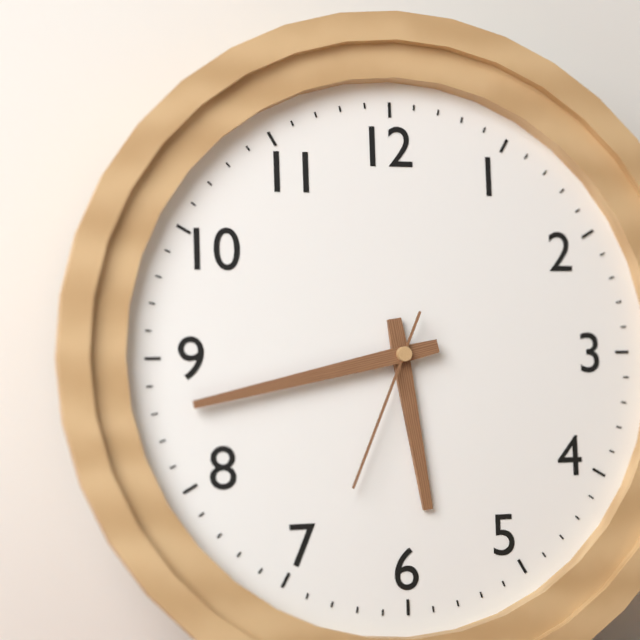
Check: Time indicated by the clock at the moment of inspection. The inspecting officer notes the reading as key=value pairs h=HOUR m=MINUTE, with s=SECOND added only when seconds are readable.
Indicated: h=5 m=43 s=34
